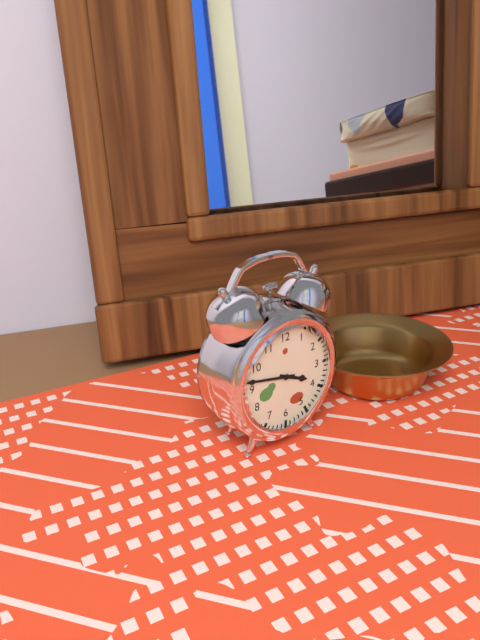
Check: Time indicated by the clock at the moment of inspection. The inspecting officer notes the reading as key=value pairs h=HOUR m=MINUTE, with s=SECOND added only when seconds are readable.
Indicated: h=3 m=47
